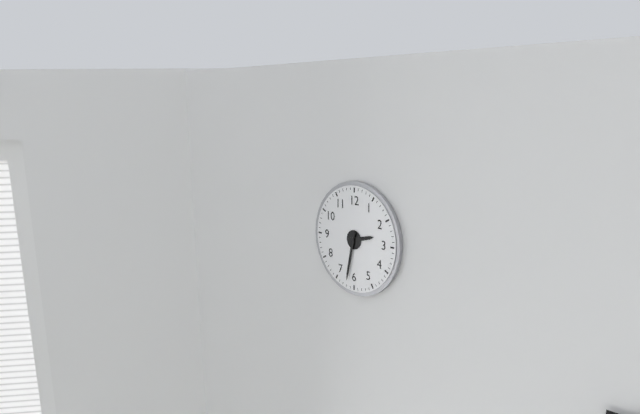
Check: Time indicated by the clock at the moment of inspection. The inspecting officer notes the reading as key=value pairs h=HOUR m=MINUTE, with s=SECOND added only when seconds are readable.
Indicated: h=2 m=32
